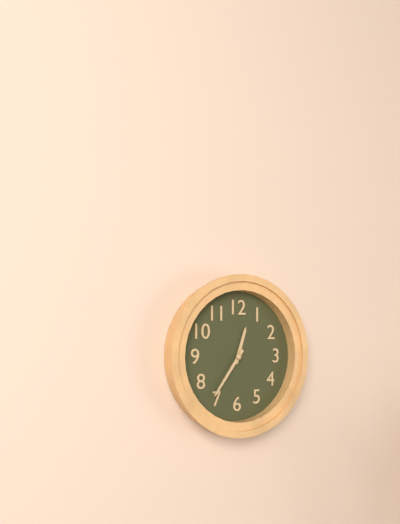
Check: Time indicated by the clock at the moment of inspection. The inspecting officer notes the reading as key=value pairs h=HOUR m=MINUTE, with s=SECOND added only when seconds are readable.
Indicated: h=12 m=36
